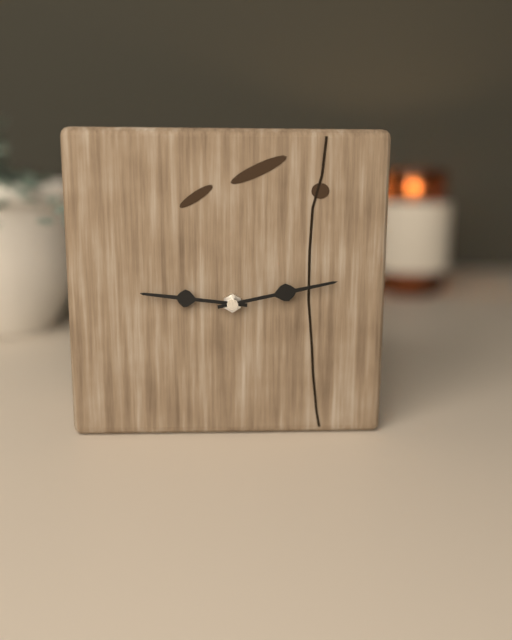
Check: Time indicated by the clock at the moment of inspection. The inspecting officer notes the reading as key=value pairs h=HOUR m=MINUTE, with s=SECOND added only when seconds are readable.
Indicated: h=9 m=13
